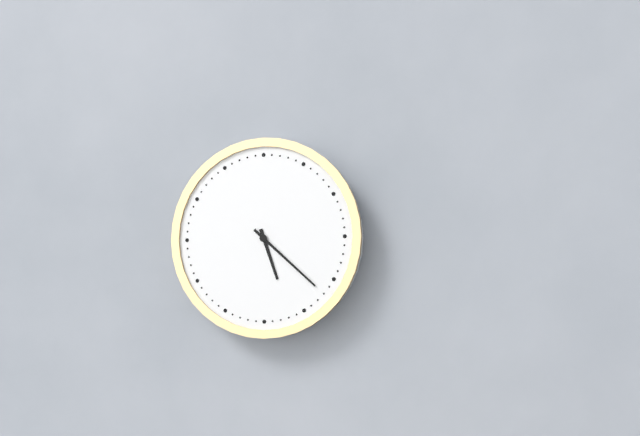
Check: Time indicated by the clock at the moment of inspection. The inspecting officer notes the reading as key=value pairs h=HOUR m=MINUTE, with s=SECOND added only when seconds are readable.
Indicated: h=5 m=22
